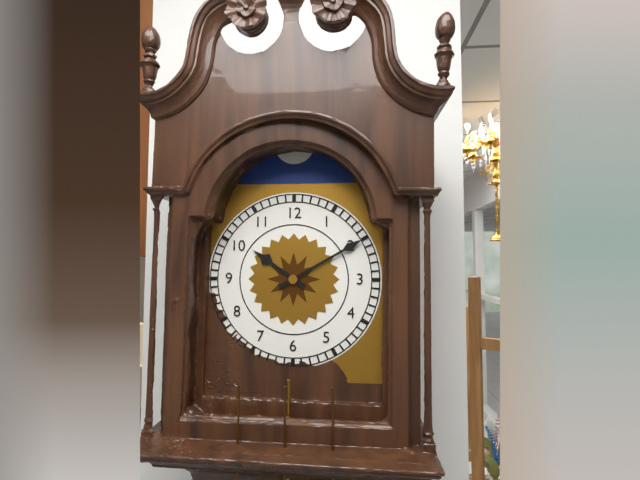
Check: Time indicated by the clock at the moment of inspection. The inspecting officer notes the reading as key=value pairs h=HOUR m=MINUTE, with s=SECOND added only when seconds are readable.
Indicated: h=10 m=10
